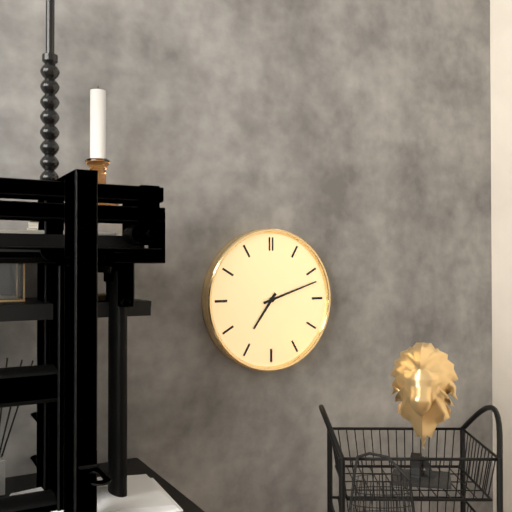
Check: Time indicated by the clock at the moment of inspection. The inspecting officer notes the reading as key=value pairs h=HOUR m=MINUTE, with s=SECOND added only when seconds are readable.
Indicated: h=7 m=12
